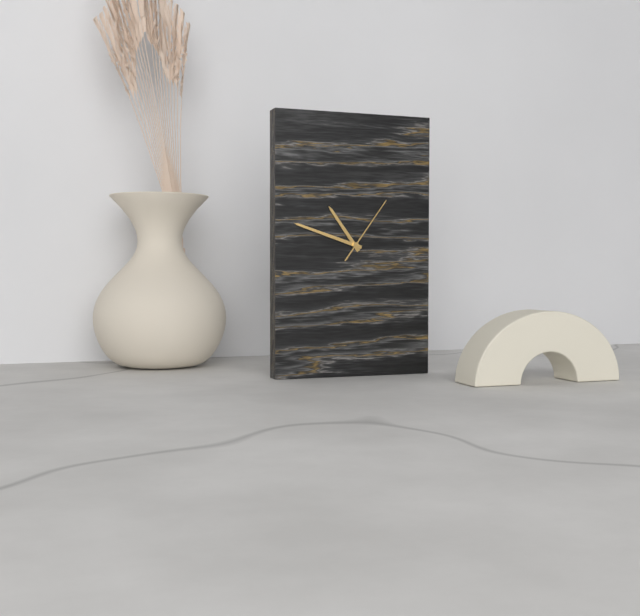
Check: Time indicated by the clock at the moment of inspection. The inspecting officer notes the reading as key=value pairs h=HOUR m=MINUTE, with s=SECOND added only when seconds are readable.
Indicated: h=10 m=48 s=6
